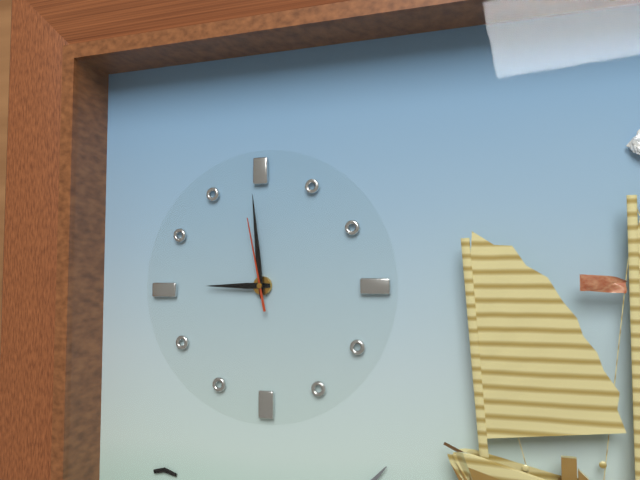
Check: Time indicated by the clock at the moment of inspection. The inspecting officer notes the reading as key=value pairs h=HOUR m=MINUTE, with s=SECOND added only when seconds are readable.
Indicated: h=8 m=59 s=58
